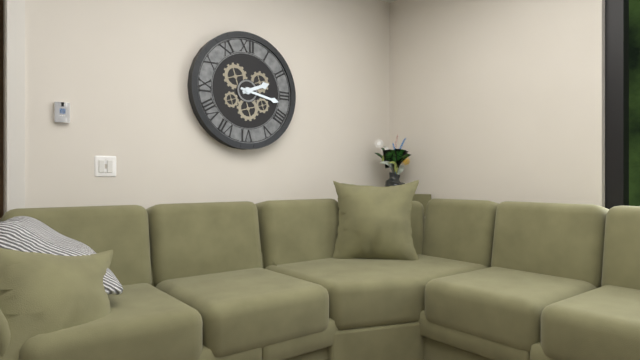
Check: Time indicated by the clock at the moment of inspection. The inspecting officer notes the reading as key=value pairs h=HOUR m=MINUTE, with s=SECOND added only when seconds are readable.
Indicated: h=2 m=17
